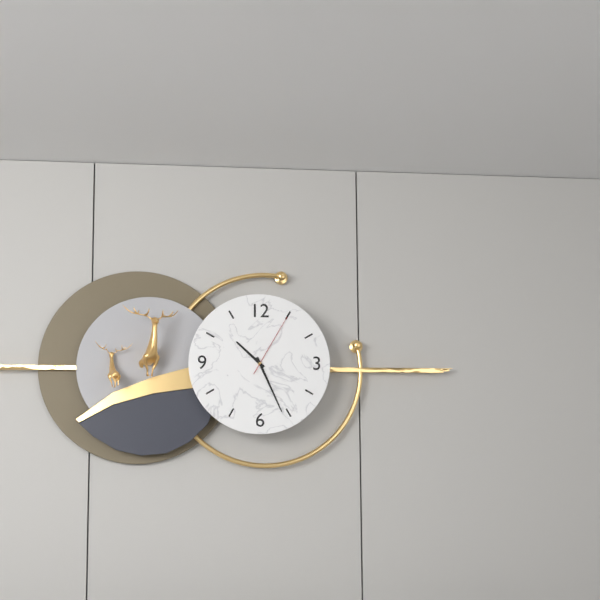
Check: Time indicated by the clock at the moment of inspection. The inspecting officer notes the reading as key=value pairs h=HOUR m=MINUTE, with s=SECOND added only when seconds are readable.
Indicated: h=10 m=26 s=5
